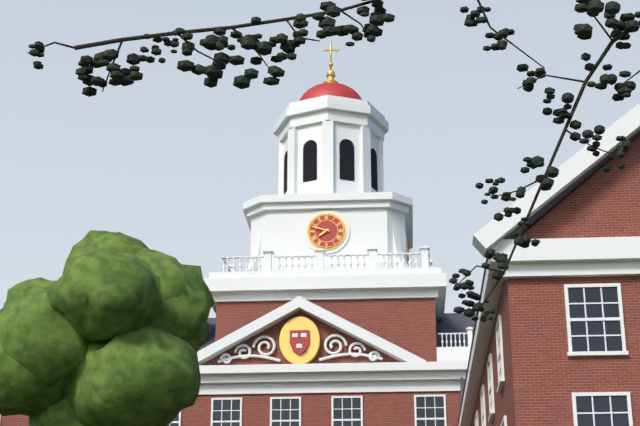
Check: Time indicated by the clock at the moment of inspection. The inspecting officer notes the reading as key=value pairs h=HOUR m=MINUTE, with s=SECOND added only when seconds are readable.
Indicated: h=7 m=48
